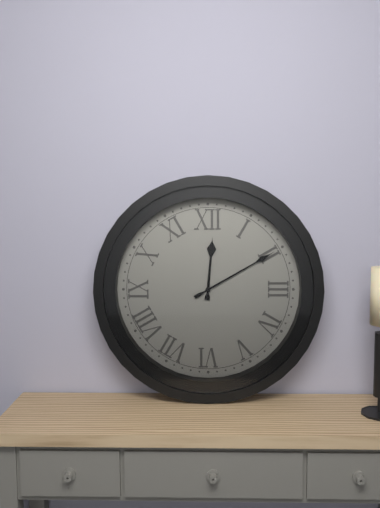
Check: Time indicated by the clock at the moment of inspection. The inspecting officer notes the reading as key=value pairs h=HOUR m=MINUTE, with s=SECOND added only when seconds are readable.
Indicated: h=12 m=10
